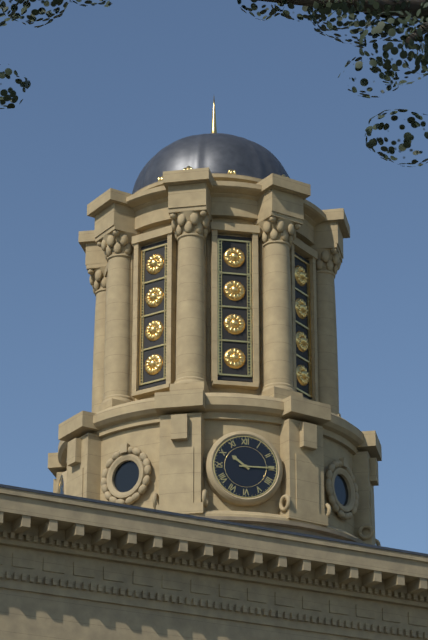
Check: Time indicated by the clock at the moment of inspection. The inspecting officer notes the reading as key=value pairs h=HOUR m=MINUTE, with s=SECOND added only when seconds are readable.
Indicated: h=10 m=15
